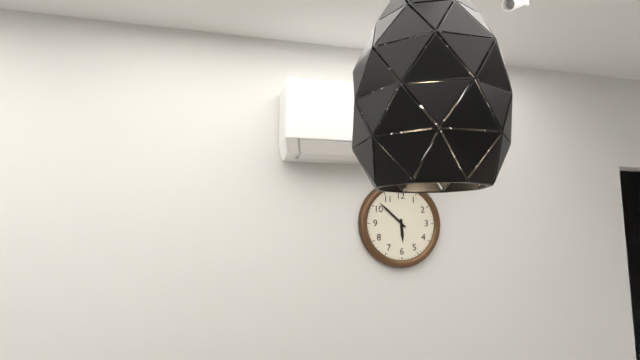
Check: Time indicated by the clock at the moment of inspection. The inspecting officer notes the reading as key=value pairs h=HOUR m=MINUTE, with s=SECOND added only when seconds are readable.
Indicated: h=5 m=52
